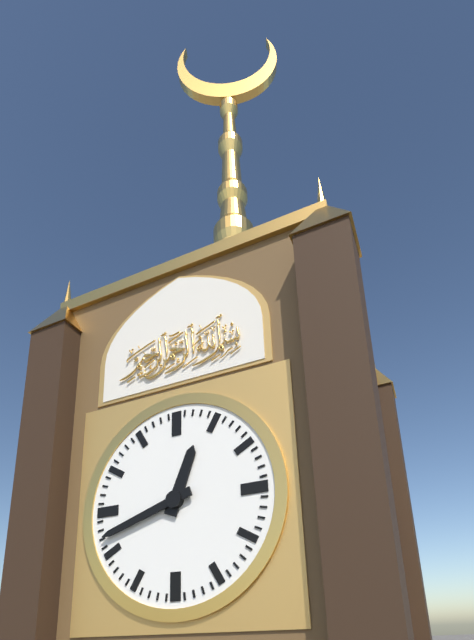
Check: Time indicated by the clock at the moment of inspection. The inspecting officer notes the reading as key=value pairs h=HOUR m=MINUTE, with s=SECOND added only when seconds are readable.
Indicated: h=12 m=42
